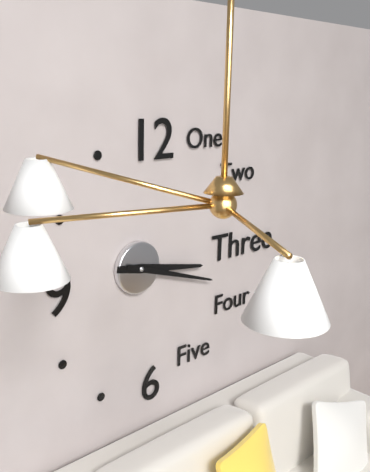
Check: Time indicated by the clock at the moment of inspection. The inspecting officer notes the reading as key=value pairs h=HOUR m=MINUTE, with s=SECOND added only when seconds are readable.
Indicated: h=3 m=18
